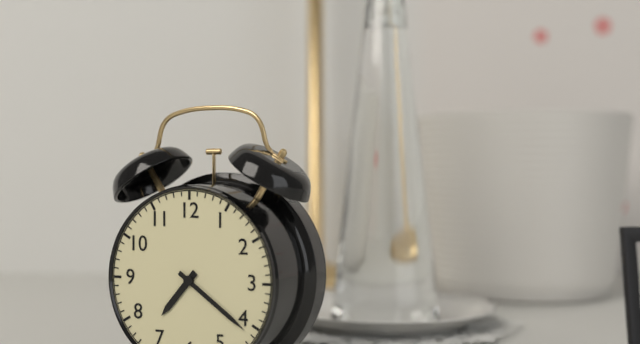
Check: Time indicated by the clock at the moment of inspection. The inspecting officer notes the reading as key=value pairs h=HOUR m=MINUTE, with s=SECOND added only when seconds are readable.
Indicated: h=7 m=21
